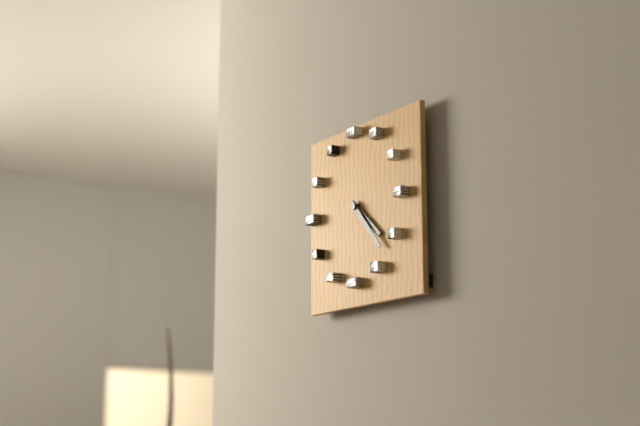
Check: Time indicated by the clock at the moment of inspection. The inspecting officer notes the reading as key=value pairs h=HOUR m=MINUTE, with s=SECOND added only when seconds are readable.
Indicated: h=4 m=23
